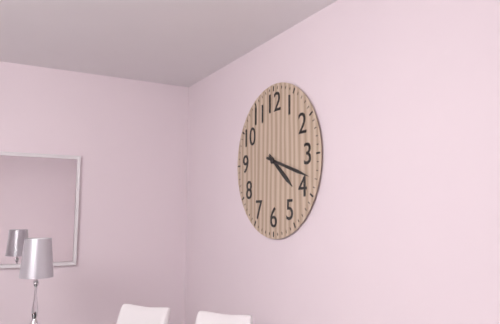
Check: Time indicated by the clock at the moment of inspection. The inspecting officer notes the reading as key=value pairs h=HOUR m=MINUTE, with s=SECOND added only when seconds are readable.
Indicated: h=4 m=18
